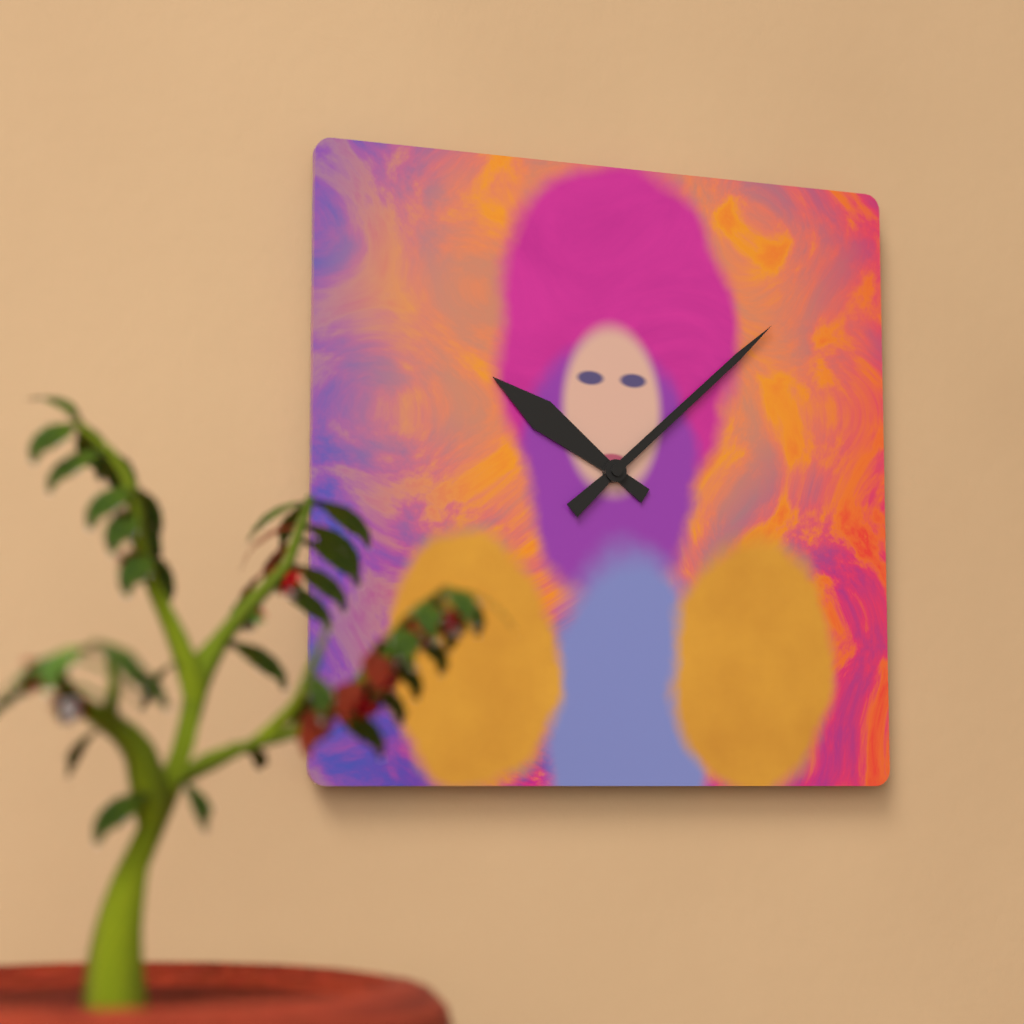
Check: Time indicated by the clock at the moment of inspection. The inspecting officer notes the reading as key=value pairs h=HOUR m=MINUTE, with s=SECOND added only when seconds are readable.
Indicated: h=10 m=8
